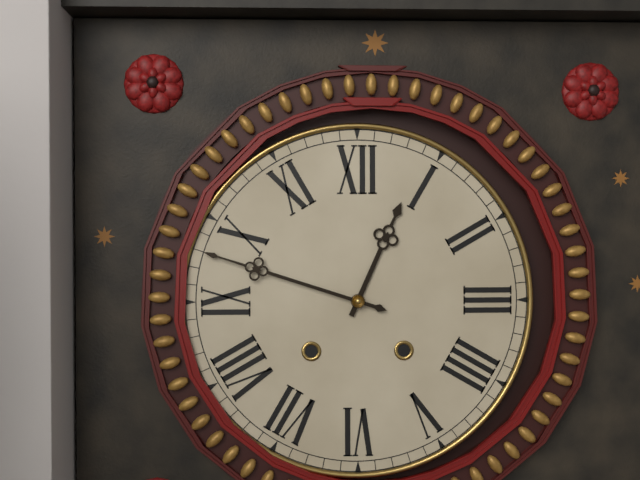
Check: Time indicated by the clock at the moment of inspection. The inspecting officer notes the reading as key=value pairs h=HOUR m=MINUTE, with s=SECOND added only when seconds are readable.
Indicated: h=12 m=48
